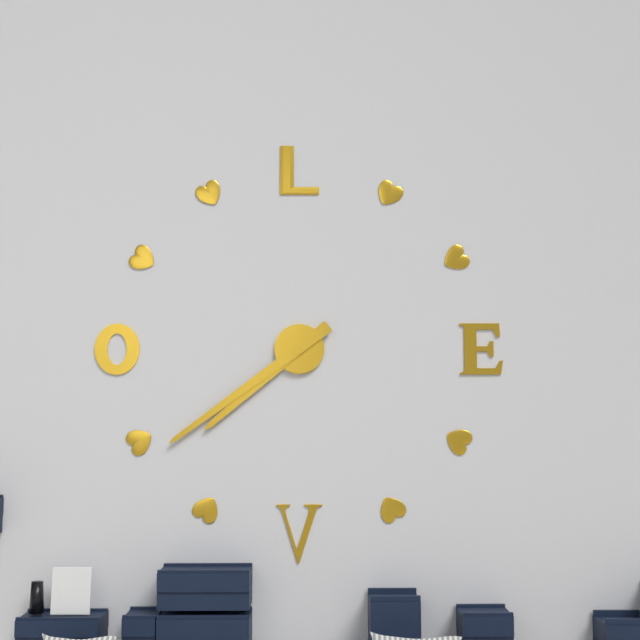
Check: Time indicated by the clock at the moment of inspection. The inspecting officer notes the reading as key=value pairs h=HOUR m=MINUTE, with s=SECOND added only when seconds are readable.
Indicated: h=7 m=39
